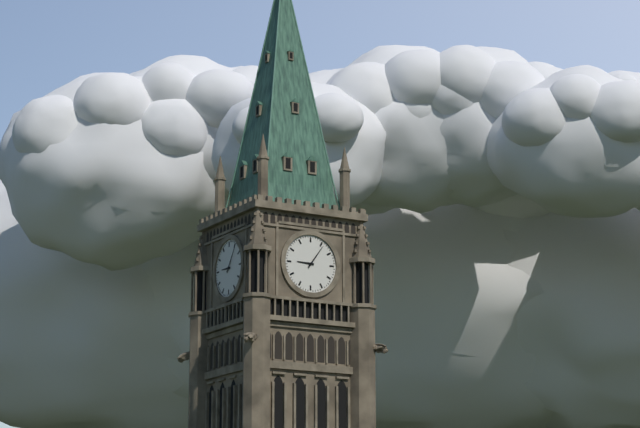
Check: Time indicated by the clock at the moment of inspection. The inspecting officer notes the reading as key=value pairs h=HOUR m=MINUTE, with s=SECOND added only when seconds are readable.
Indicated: h=9 m=6
